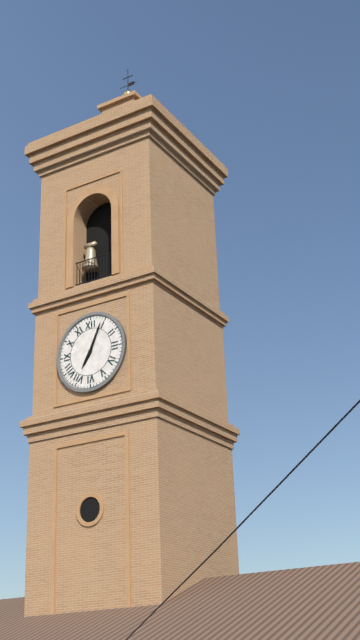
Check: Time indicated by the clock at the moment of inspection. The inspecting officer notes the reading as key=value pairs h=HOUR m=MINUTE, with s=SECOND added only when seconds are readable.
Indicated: h=7 m=4
